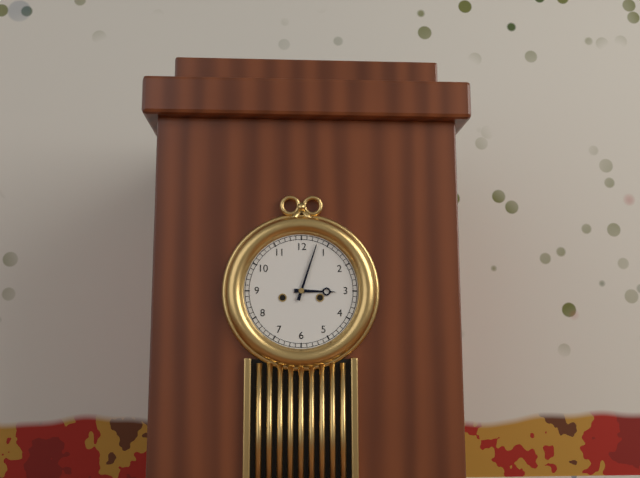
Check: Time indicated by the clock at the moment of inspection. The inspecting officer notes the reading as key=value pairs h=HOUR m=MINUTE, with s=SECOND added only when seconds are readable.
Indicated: h=3 m=3
